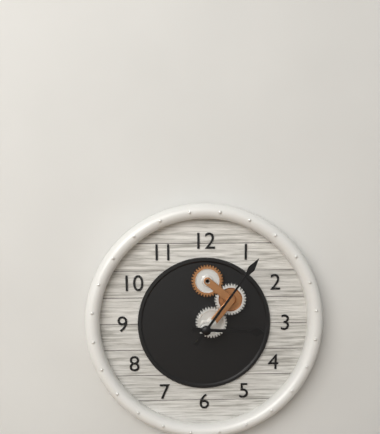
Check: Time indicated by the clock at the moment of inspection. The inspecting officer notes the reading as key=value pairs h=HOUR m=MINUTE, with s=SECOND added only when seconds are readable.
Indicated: h=3 m=6
